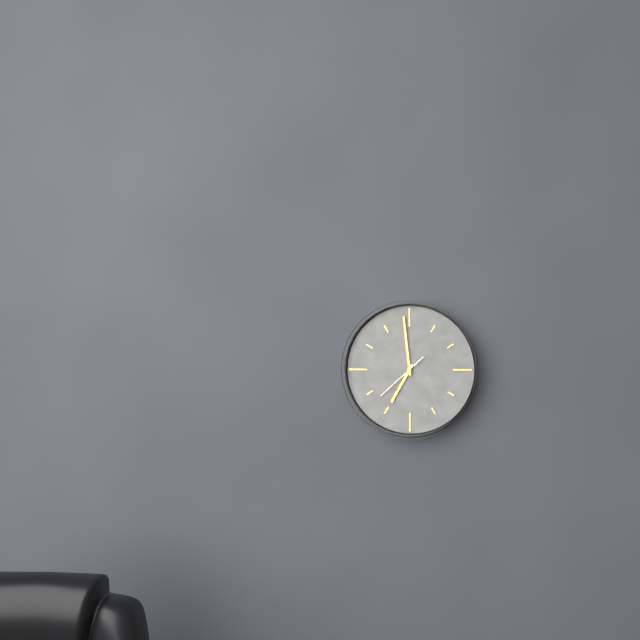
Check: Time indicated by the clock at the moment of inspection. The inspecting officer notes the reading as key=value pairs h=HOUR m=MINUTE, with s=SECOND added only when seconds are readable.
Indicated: h=6 m=59
